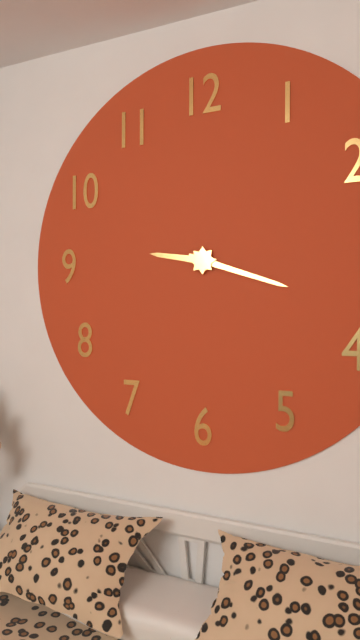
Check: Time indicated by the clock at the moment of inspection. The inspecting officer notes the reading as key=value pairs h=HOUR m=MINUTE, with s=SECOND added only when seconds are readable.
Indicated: h=9 m=18
